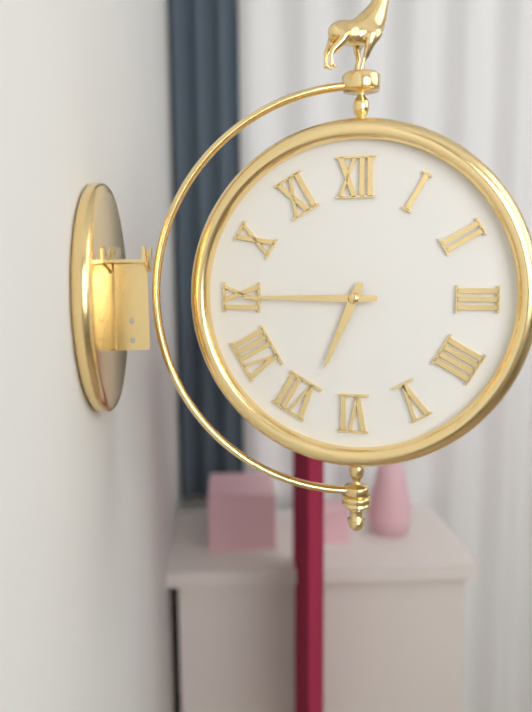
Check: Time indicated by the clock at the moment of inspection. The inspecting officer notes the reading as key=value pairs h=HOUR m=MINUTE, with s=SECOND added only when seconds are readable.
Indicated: h=6 m=45
